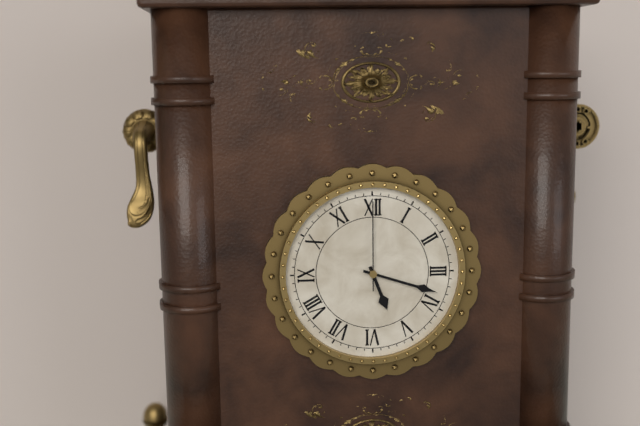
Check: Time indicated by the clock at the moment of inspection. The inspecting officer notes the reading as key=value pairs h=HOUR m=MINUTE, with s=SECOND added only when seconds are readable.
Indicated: h=5 m=18 s=0
